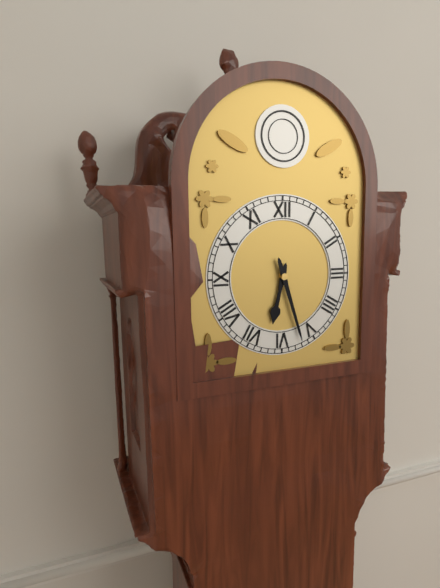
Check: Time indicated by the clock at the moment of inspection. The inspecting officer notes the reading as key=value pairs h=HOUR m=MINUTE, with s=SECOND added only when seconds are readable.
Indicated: h=6 m=27
